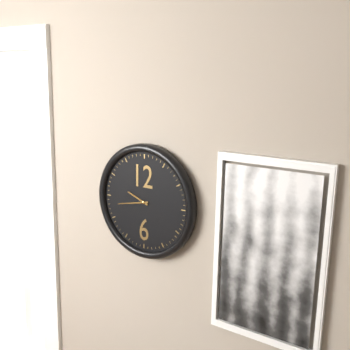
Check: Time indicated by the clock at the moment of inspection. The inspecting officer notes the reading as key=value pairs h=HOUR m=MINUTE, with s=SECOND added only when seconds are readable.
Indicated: h=9 m=43
